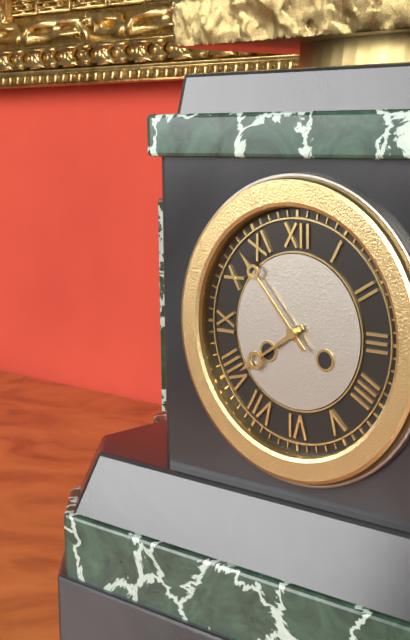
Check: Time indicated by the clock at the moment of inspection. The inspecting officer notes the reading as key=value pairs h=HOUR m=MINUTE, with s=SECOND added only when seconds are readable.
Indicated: h=7 m=53
